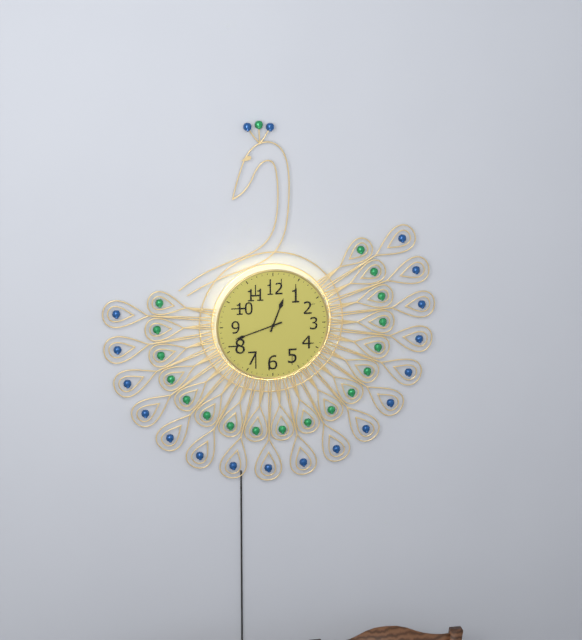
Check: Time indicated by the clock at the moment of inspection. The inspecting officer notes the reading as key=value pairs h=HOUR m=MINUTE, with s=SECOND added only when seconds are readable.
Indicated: h=12 m=42
